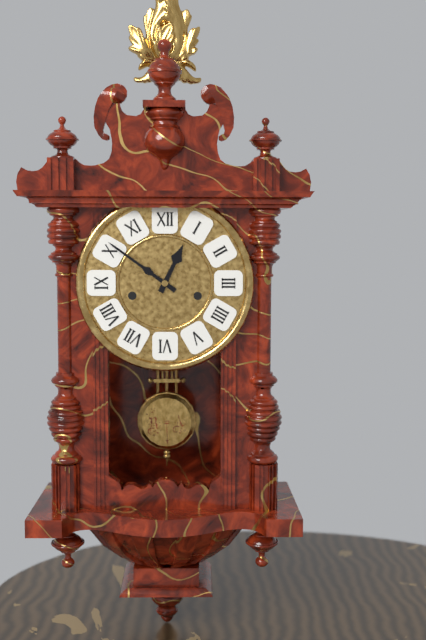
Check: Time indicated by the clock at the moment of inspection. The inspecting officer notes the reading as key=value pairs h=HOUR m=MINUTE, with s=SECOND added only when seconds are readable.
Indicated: h=12 m=51
